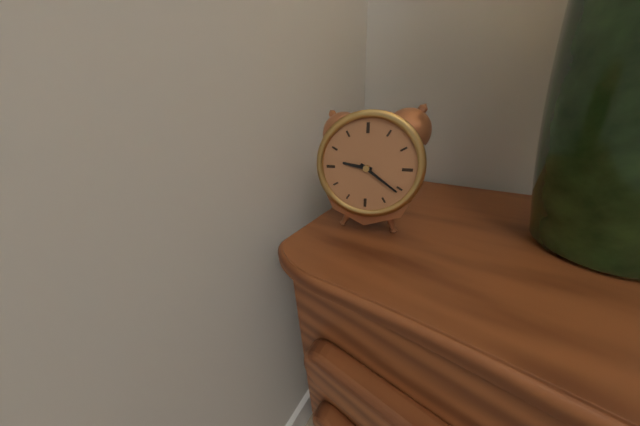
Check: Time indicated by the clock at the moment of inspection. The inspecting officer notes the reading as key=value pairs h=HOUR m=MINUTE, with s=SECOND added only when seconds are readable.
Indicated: h=9 m=21
